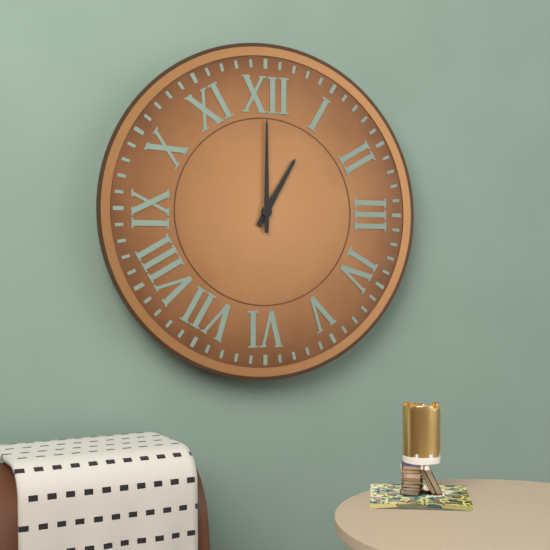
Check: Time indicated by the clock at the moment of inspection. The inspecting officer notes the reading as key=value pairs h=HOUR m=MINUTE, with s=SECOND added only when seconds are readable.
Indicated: h=1 m=0
